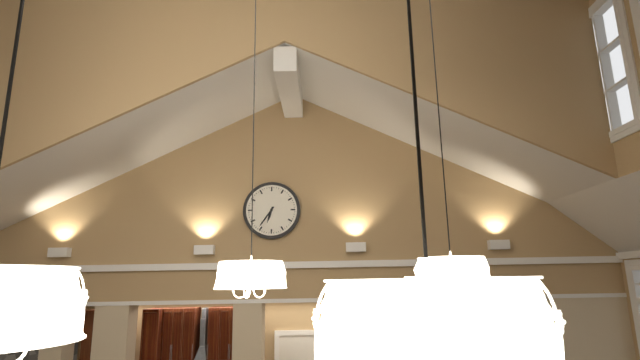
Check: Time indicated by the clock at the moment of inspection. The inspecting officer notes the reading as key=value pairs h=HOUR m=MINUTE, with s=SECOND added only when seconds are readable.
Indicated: h=6 m=36
